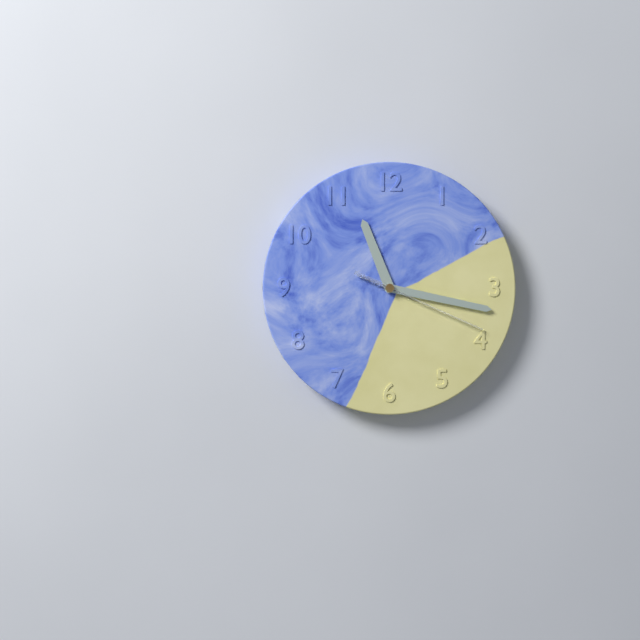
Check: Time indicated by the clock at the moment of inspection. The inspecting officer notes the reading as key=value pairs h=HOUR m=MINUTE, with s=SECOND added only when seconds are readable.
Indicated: h=11 m=17 s=19
